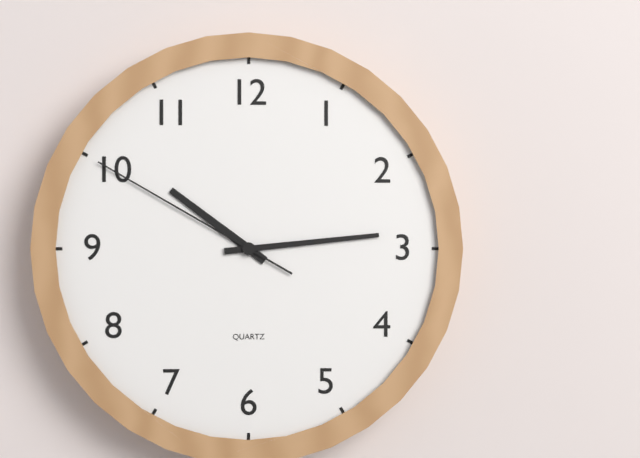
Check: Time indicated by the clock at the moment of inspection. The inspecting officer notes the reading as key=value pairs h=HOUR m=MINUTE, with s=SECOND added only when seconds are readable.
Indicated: h=10 m=14 s=50
